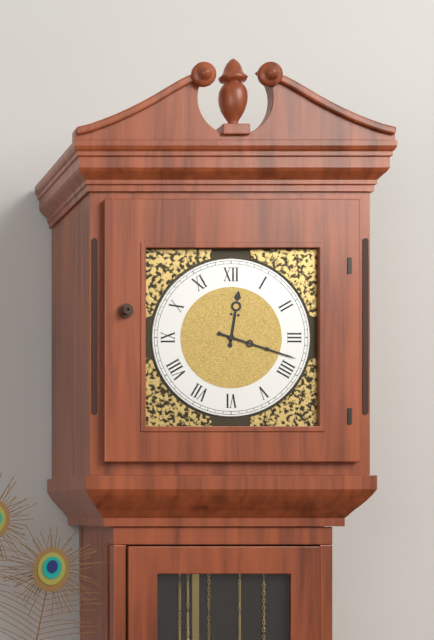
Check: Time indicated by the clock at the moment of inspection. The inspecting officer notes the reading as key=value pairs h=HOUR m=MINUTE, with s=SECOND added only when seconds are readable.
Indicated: h=12 m=18
